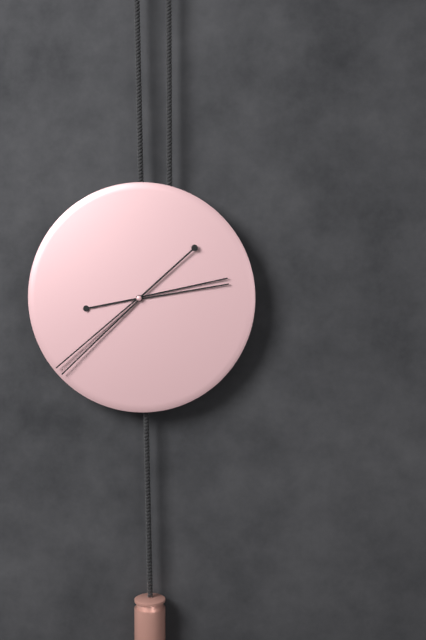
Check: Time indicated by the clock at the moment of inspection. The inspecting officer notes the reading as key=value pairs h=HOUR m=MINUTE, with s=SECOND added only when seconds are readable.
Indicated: h=2 m=38
